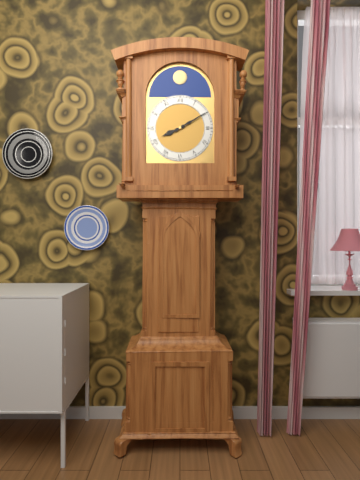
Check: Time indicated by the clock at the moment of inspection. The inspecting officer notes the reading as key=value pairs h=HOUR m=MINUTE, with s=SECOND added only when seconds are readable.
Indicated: h=8 m=10
